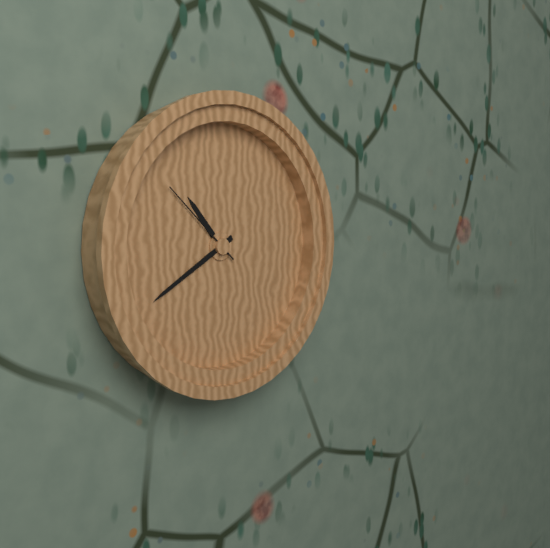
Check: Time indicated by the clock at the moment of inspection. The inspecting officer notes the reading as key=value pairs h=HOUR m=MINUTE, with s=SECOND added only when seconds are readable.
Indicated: h=10 m=40 s=52
